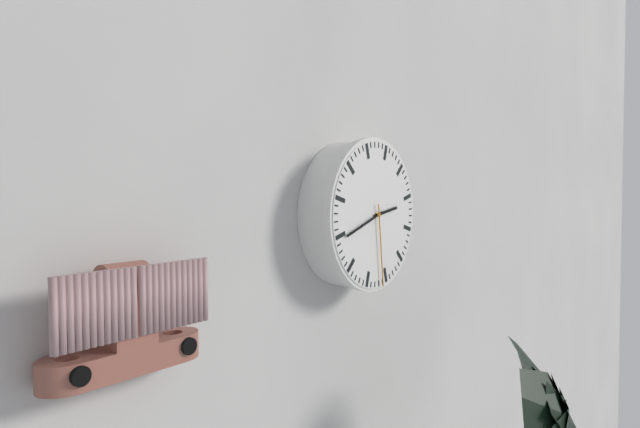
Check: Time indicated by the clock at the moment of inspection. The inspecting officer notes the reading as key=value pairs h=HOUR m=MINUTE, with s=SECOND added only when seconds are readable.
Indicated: h=2 m=42 s=29
